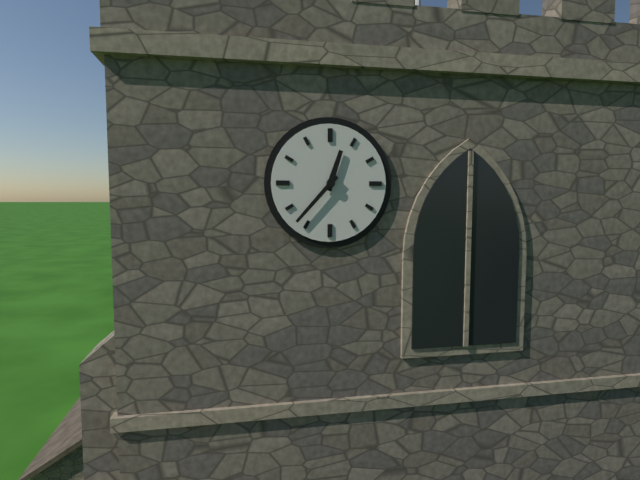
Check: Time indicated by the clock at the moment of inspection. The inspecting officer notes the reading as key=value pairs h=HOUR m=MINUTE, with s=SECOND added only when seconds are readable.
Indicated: h=12 m=37
